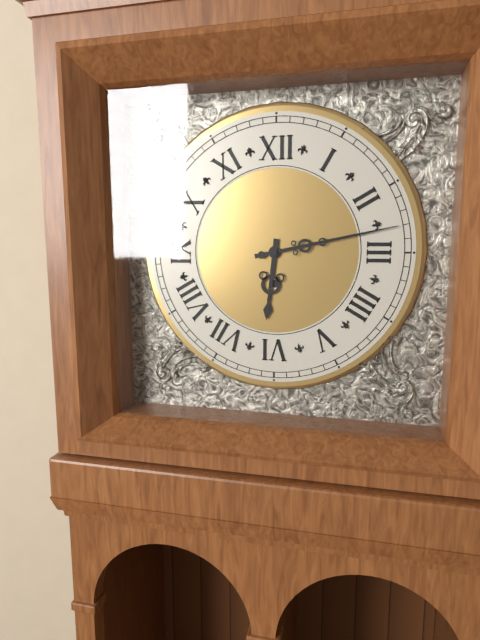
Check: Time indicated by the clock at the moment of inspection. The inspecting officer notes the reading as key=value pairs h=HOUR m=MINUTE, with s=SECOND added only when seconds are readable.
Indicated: h=6 m=13
